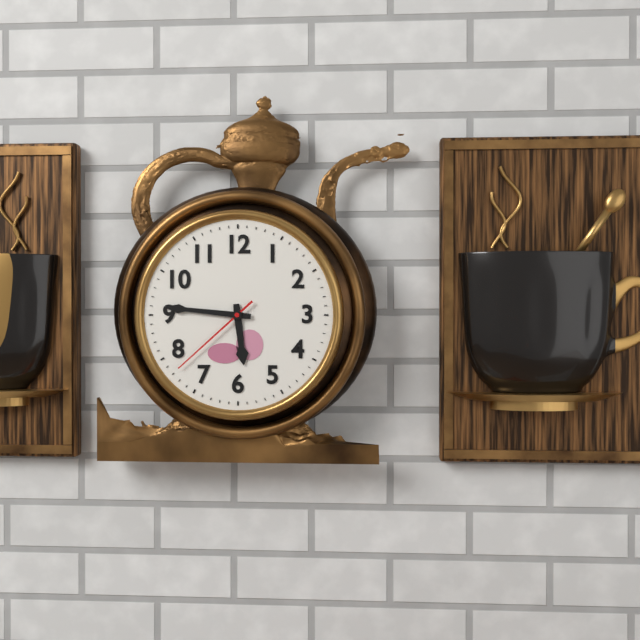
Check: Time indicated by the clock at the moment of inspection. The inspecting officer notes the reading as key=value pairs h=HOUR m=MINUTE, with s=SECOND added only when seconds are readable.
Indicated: h=5 m=46 s=38
